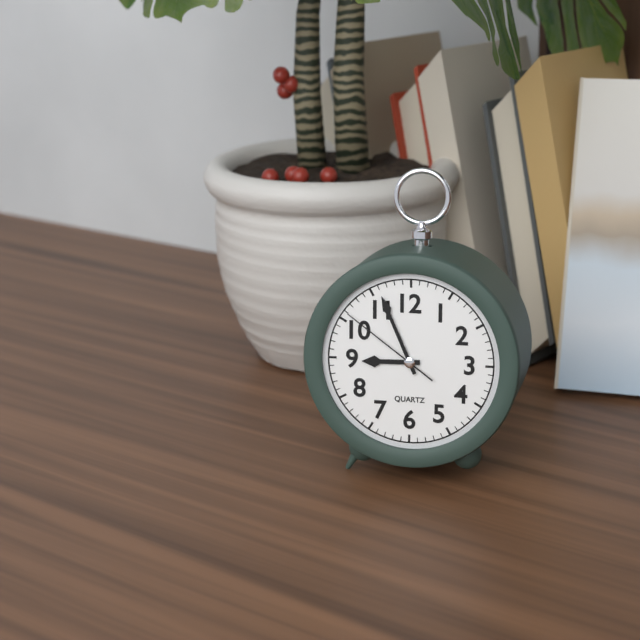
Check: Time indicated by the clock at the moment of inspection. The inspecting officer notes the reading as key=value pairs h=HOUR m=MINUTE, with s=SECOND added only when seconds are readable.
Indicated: h=8 m=56 s=51
